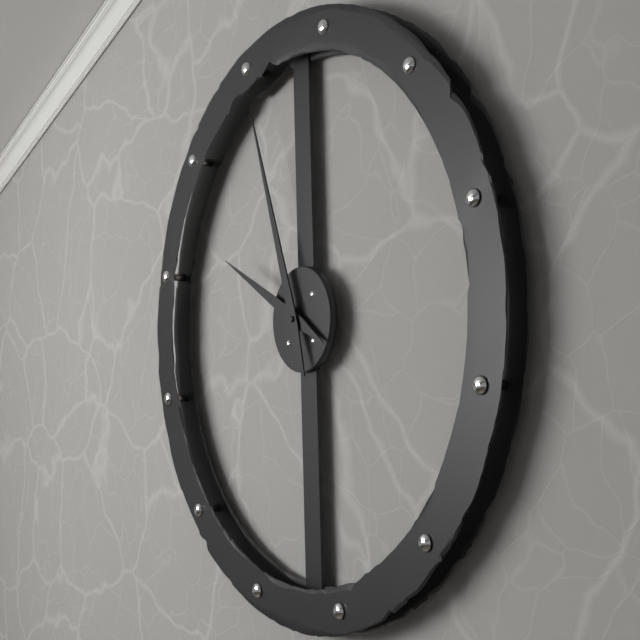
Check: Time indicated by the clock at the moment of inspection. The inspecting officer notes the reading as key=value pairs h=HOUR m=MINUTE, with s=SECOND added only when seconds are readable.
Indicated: h=9 m=57
